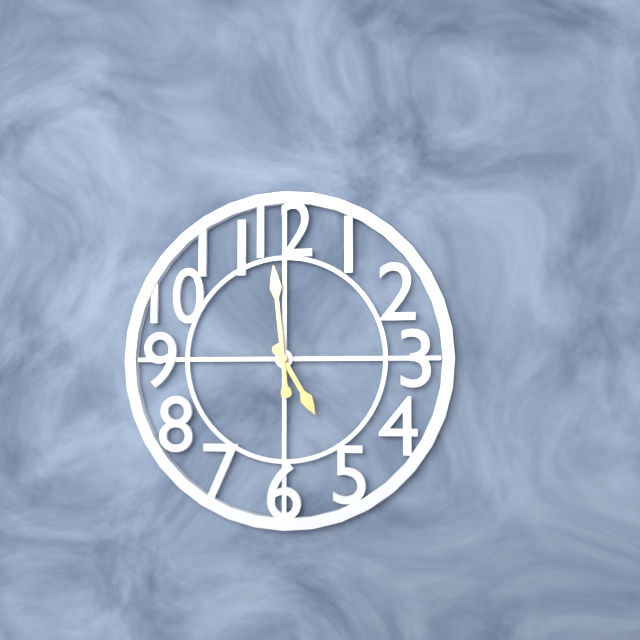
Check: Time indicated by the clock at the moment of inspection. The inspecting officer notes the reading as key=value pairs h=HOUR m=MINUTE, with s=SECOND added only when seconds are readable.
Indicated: h=4 m=59
